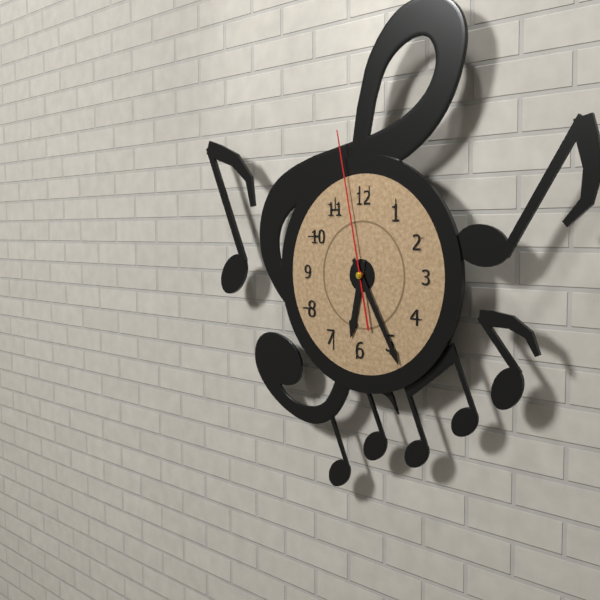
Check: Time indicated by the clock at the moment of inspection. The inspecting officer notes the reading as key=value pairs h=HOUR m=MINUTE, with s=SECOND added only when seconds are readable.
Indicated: h=6 m=25 s=58
